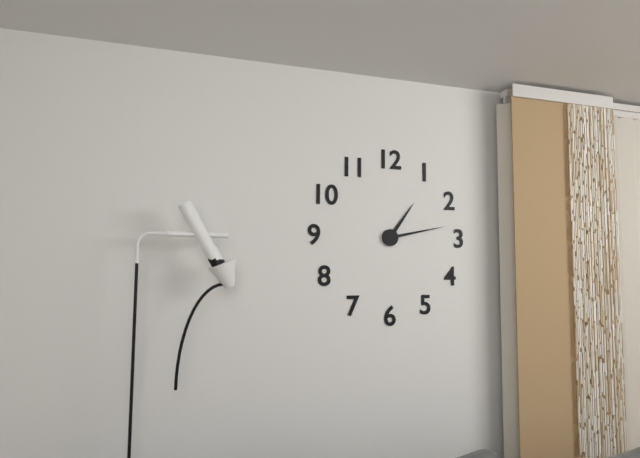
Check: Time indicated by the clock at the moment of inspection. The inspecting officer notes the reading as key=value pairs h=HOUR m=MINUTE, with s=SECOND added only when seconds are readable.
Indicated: h=1 m=13
